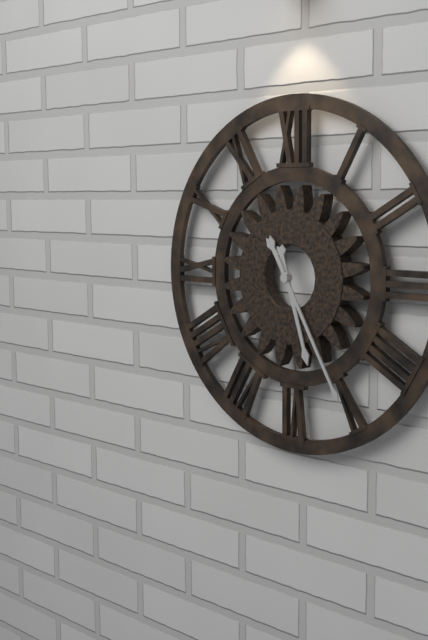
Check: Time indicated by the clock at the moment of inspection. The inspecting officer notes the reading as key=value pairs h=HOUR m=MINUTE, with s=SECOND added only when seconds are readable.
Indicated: h=5 m=25
